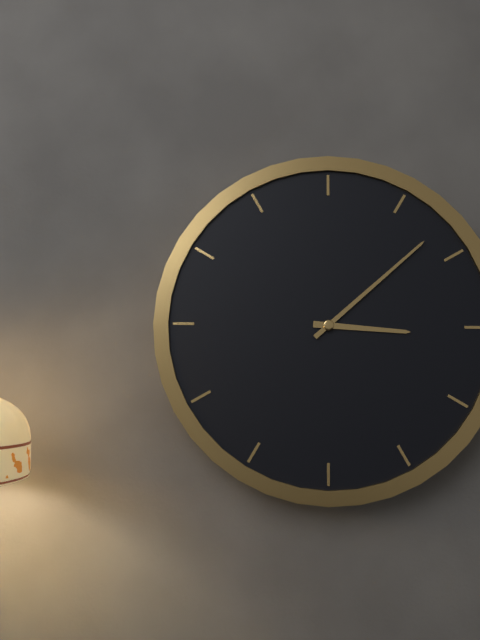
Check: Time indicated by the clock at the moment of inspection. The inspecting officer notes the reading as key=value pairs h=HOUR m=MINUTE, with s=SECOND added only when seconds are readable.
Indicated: h=3 m=8
